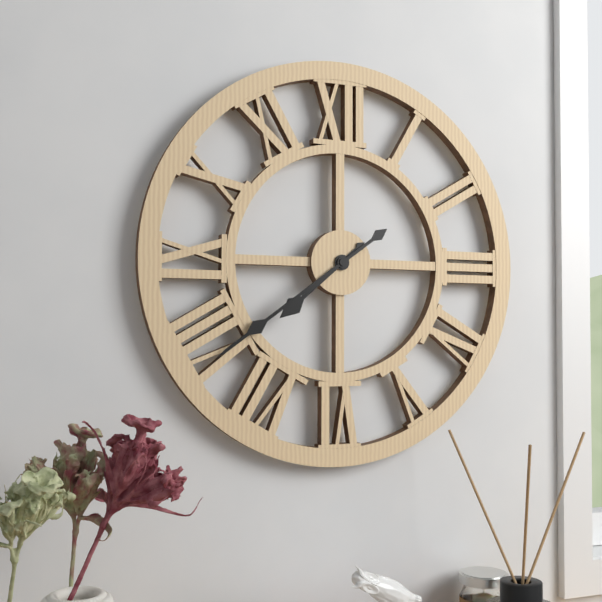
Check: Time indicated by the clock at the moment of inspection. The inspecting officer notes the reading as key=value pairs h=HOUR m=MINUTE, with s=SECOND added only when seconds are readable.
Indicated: h=7 m=39
